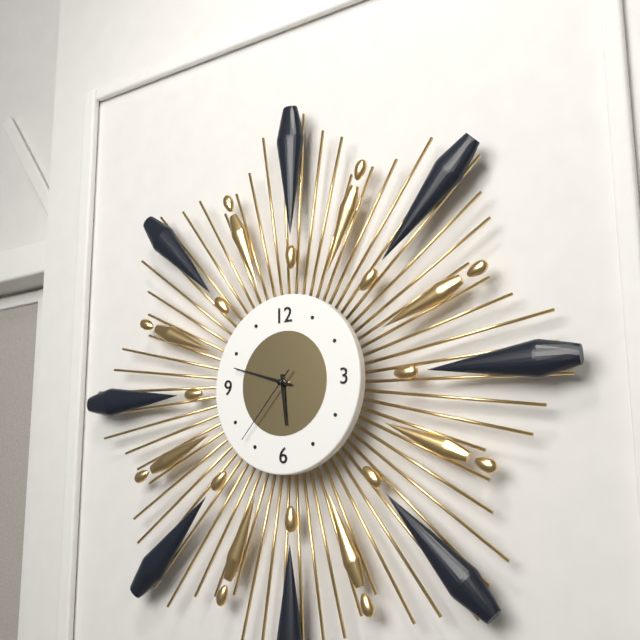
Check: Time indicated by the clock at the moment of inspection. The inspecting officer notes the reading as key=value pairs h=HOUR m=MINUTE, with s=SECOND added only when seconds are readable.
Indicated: h=5 m=48 s=37
